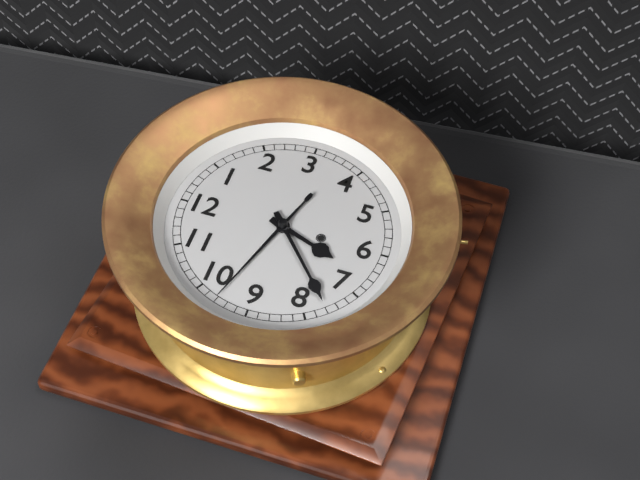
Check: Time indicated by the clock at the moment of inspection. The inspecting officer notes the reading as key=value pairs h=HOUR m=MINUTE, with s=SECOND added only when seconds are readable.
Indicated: h=6 m=38 s=48
